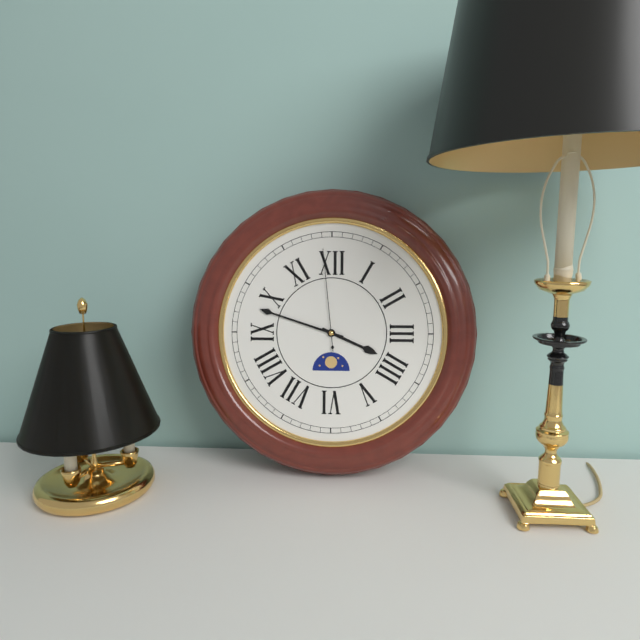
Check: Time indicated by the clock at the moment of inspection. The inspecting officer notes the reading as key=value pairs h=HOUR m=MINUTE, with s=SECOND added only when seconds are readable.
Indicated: h=3 m=48 s=59
